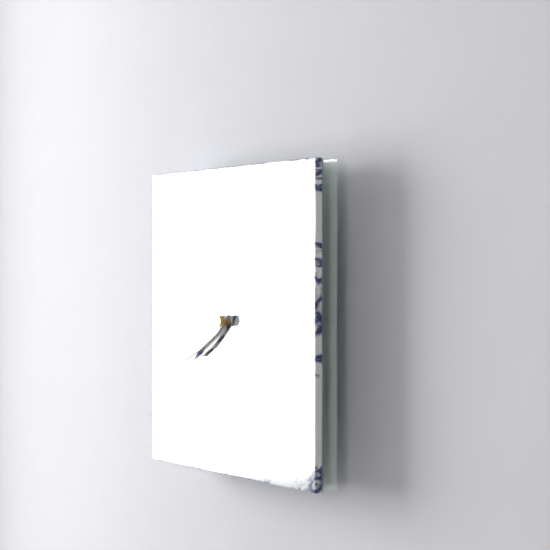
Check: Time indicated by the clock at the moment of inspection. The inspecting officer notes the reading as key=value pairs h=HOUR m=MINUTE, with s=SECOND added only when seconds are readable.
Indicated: h=7 m=40
